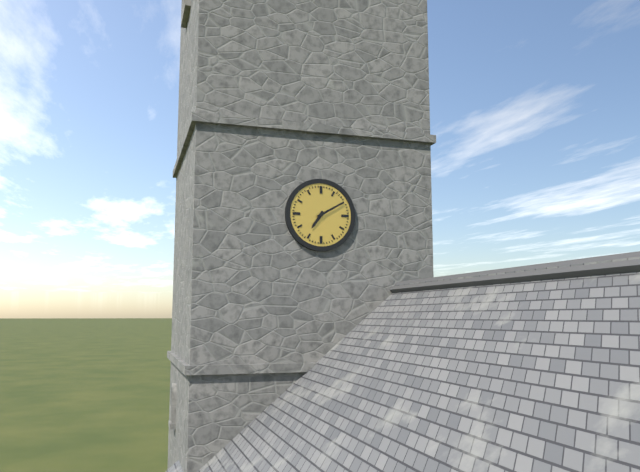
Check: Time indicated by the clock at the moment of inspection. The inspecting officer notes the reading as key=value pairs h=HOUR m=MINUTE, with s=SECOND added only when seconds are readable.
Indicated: h=7 m=10
